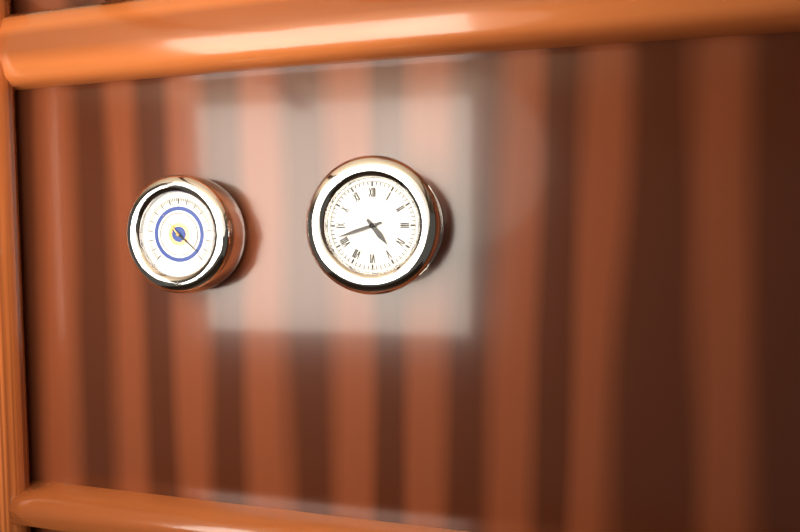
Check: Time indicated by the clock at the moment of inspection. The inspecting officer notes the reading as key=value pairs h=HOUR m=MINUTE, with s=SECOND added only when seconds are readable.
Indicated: h=4 m=42
